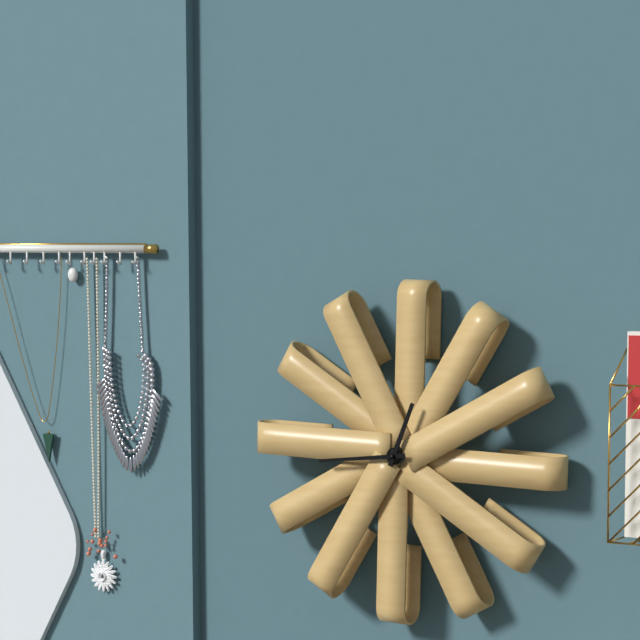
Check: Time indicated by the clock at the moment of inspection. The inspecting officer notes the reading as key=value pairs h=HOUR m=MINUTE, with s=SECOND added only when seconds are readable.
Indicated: h=12 m=44
